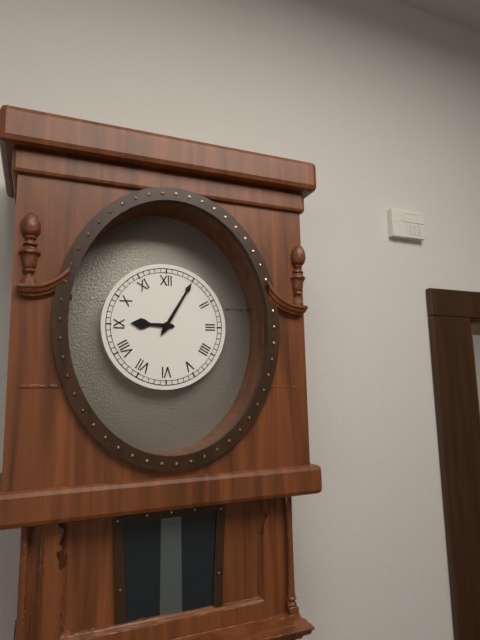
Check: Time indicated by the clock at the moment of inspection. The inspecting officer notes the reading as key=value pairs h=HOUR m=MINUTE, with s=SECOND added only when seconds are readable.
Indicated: h=9 m=5
